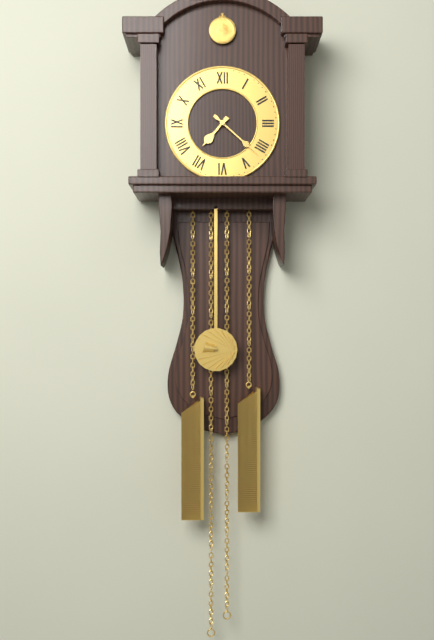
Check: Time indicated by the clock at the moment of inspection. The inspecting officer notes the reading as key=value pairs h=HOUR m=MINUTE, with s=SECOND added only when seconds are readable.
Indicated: h=7 m=22
